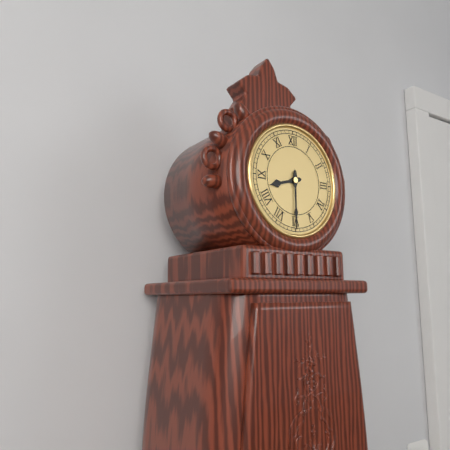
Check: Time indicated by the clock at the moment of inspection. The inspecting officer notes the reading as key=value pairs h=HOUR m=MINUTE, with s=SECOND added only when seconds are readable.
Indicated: h=8 m=30
